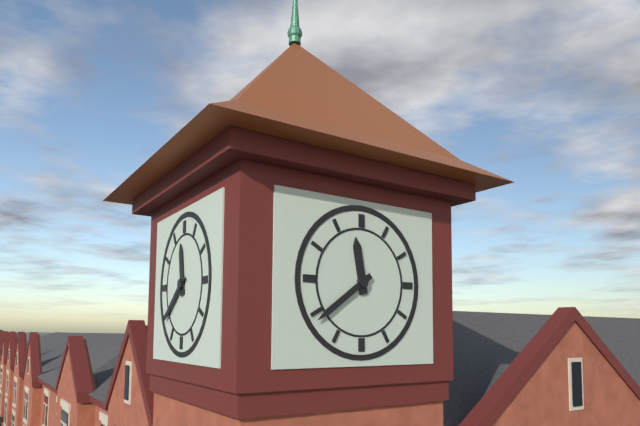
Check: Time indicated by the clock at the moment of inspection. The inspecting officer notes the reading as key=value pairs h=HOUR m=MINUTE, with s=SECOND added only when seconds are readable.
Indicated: h=11 m=39
